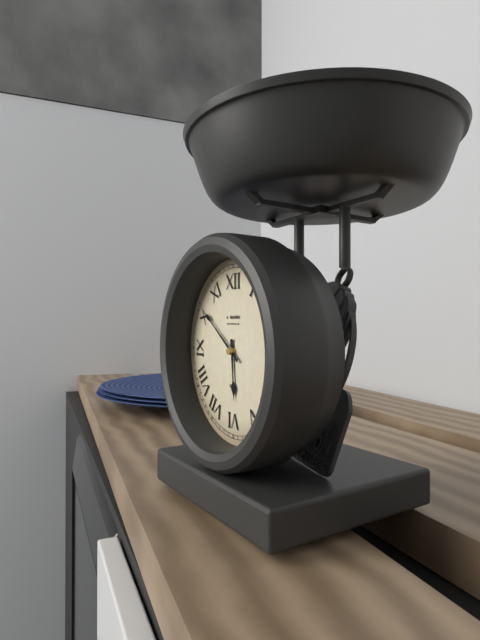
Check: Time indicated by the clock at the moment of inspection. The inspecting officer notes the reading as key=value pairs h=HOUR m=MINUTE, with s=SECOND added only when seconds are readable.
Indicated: h=5 m=51
